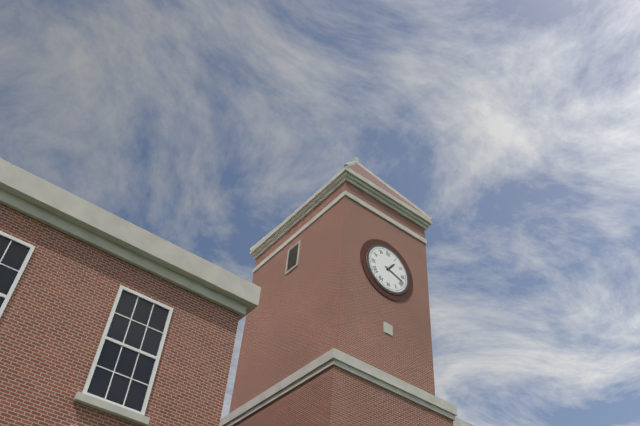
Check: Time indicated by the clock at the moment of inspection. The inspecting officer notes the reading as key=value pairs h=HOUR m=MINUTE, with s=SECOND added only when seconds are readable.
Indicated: h=1 m=18
